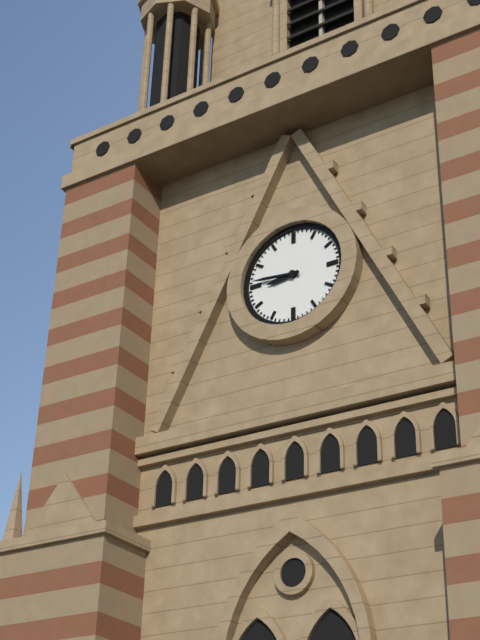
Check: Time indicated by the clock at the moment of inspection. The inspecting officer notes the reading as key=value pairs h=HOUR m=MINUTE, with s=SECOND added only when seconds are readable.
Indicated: h=8 m=46
